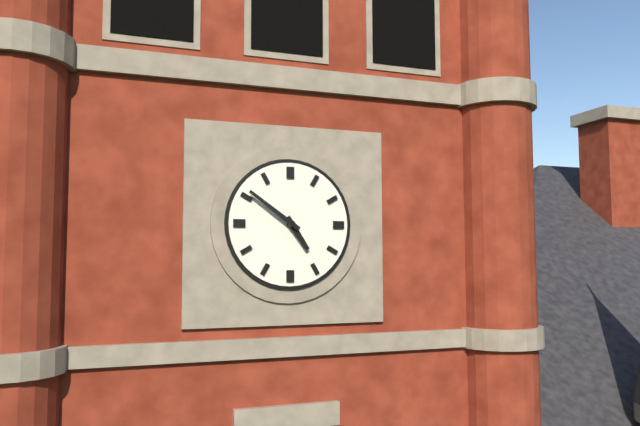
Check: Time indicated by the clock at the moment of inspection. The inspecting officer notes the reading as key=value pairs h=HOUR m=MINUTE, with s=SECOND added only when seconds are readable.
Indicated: h=4 m=51
